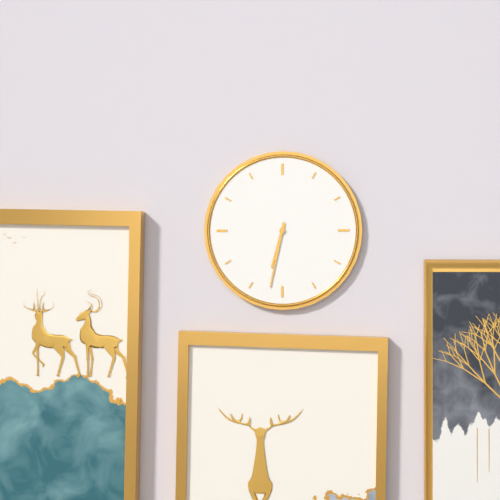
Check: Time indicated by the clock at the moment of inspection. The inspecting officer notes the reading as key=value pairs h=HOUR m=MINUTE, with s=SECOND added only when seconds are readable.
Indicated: h=6 m=32
